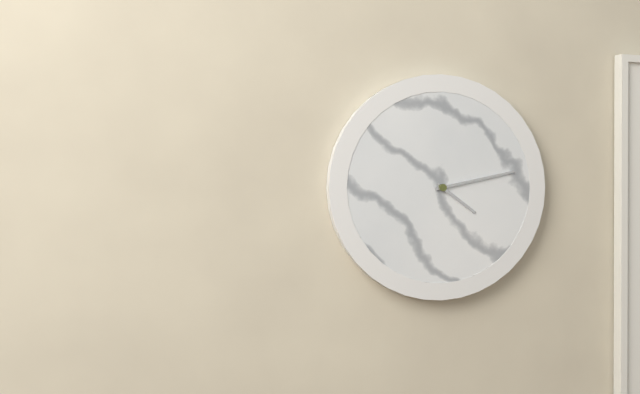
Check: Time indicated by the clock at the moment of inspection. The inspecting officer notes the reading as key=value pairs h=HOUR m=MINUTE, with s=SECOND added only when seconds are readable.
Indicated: h=4 m=13
